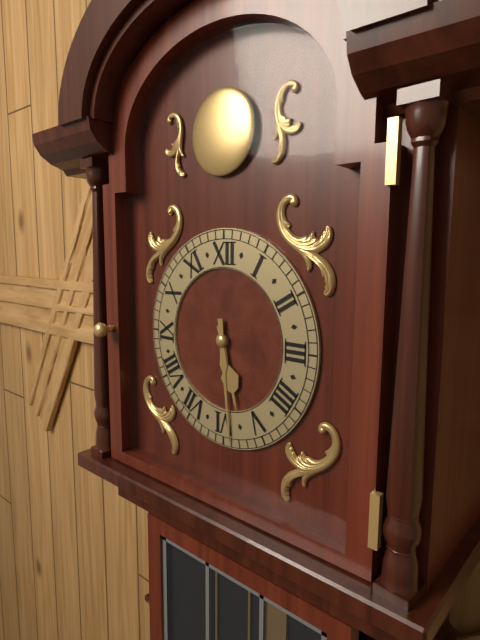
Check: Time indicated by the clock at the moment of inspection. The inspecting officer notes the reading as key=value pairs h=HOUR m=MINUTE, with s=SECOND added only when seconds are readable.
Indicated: h=5 m=29
